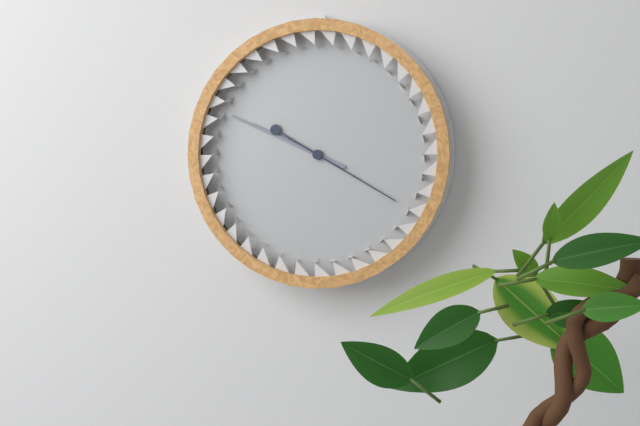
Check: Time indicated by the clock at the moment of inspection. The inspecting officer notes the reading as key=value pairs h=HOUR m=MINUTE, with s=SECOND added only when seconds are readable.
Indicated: h=9 m=49 s=20
